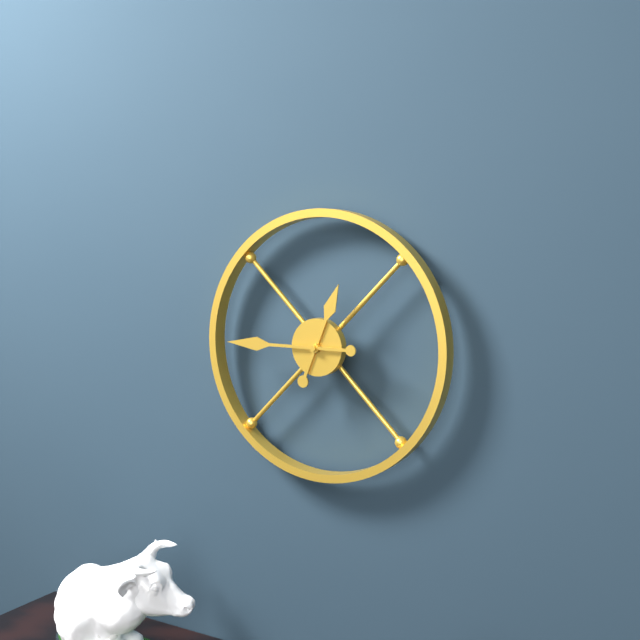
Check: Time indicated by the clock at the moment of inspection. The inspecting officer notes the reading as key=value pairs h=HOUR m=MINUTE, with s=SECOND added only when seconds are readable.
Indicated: h=12 m=45
